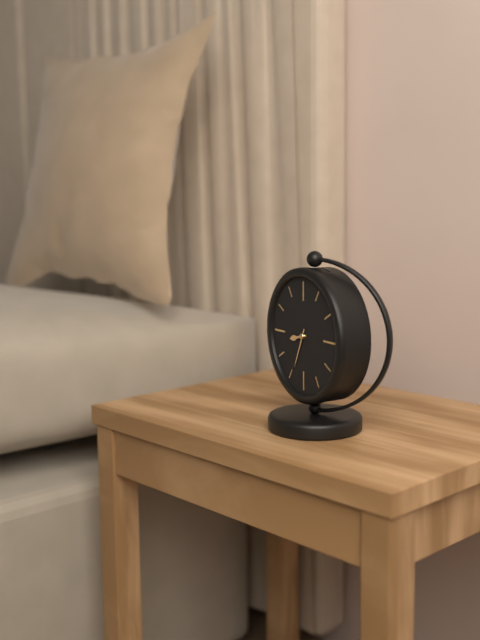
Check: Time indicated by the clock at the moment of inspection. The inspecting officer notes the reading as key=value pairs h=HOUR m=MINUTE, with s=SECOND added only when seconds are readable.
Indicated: h=8 m=34
